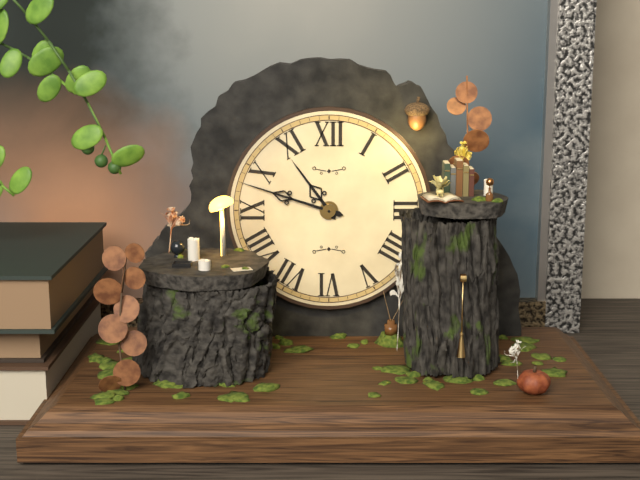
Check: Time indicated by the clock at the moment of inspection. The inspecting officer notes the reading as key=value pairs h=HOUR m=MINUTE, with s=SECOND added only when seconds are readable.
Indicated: h=10 m=48
